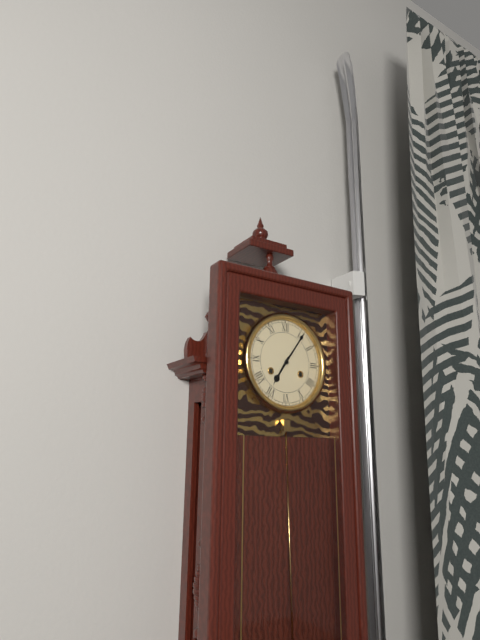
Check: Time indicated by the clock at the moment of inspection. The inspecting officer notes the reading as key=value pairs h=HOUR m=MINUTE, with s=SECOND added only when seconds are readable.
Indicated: h=7 m=6
